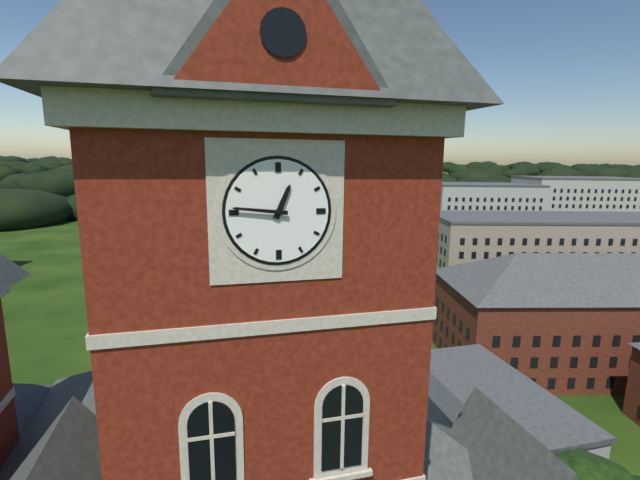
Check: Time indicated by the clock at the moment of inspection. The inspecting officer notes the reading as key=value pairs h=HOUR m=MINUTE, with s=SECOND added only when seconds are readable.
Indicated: h=12 m=46
